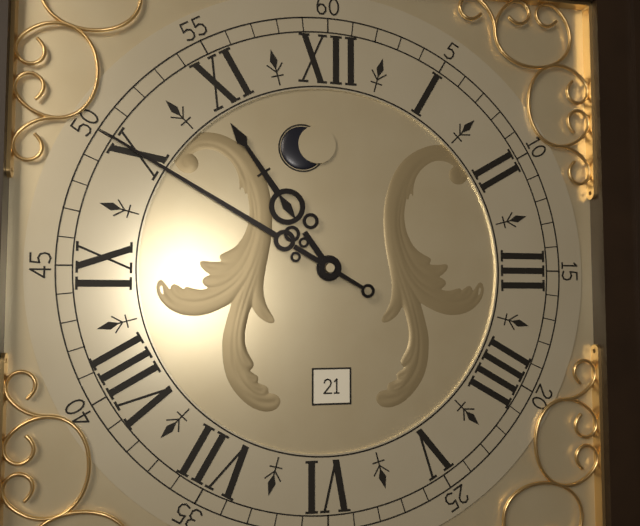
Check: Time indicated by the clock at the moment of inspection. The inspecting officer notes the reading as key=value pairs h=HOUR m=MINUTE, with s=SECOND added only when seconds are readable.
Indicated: h=10 m=50
